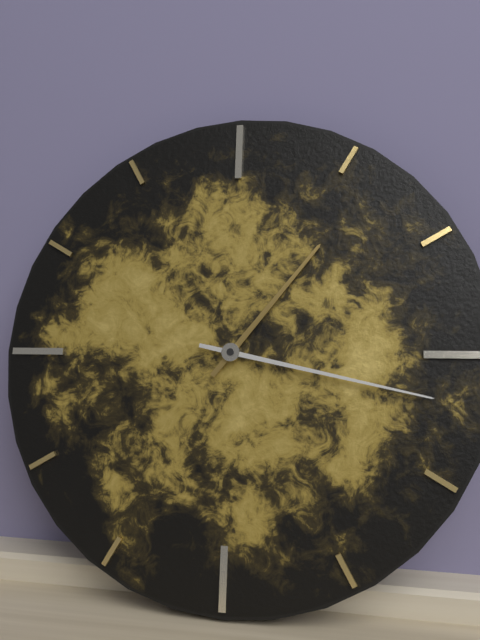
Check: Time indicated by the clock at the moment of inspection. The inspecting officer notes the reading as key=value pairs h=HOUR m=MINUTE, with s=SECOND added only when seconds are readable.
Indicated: h=1 m=17
